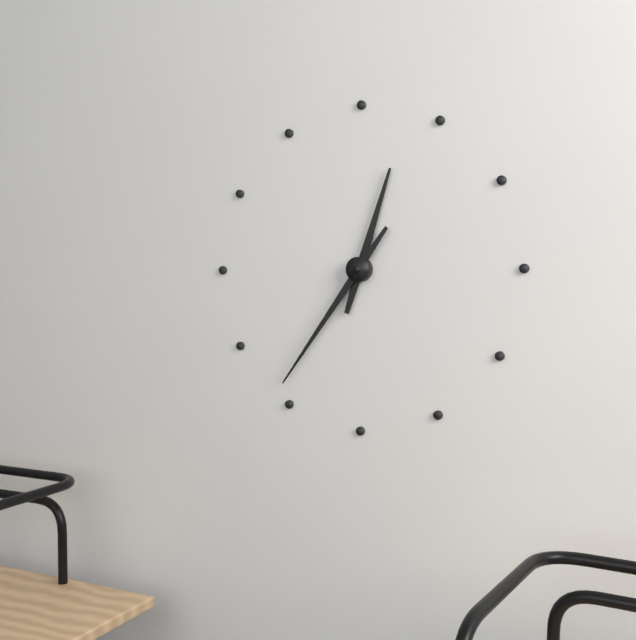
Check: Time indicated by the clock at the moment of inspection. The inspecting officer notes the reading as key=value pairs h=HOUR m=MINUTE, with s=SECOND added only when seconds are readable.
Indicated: h=12 m=36
